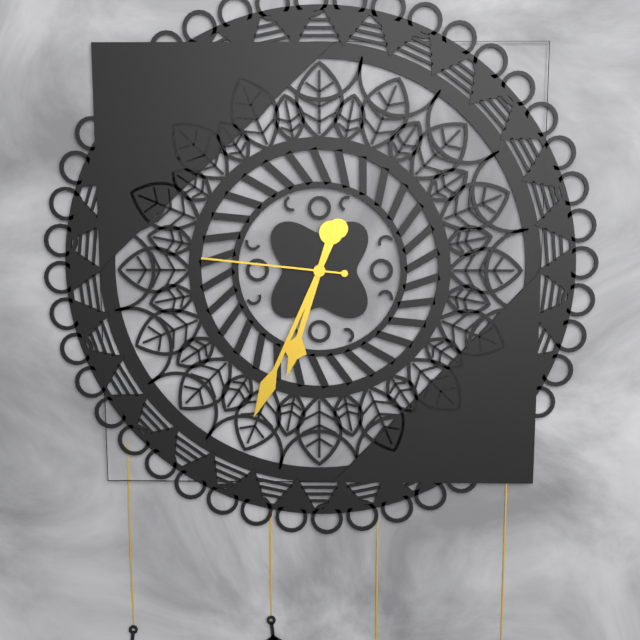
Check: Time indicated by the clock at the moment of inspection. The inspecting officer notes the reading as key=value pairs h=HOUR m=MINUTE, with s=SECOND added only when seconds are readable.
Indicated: h=6 m=34 s=46
